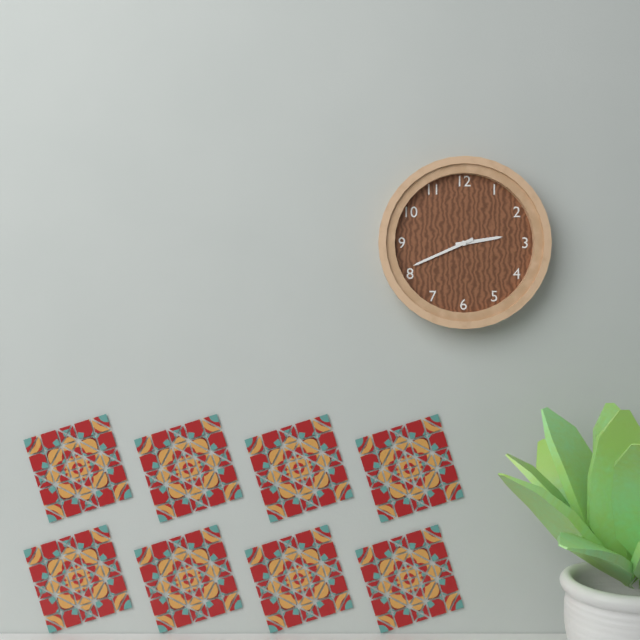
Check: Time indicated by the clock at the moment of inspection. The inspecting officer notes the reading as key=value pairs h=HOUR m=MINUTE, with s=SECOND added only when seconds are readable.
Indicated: h=2 m=41
